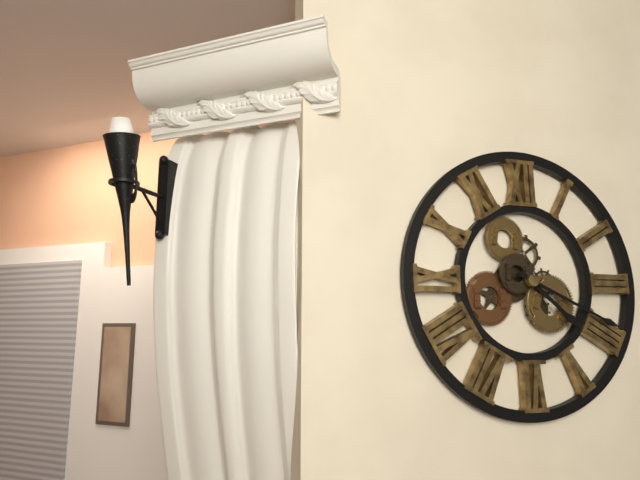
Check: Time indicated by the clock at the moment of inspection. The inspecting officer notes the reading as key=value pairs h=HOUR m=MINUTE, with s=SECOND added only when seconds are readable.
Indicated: h=4 m=19
